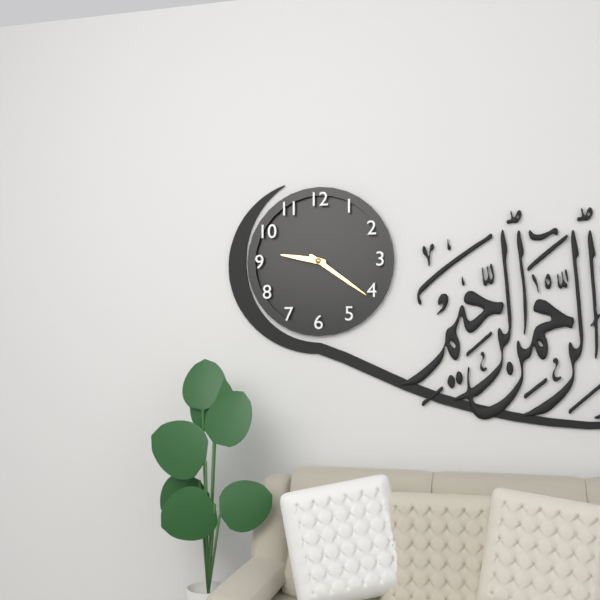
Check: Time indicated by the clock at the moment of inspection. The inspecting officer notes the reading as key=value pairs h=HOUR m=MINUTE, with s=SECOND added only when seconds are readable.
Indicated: h=9 m=21
